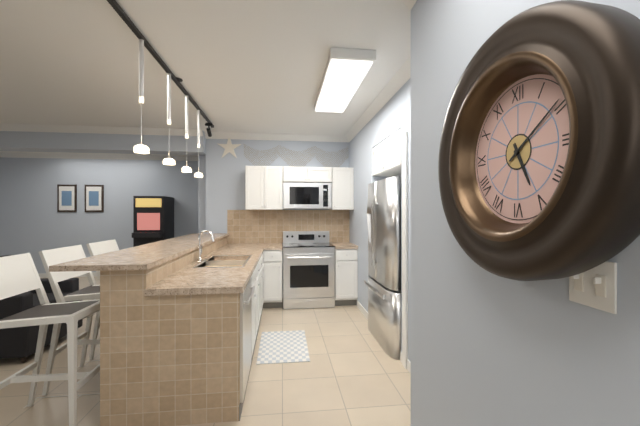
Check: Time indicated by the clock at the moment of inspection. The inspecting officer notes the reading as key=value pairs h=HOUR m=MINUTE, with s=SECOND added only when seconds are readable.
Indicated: h=5 m=9
